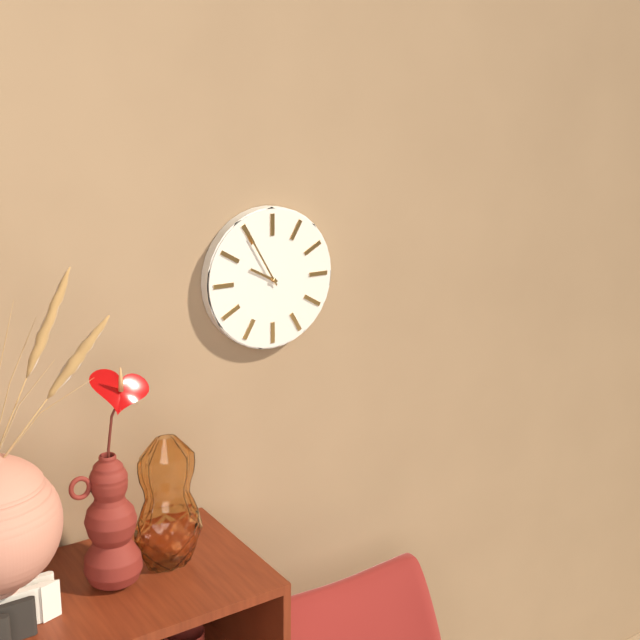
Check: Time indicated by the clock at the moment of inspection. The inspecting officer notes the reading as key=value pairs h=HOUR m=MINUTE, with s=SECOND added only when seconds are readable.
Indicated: h=9 m=55
